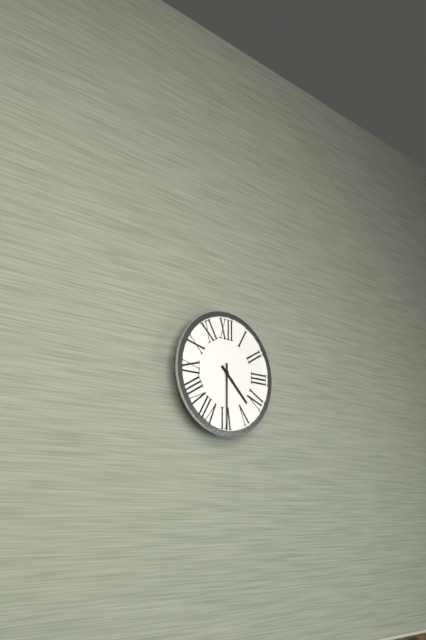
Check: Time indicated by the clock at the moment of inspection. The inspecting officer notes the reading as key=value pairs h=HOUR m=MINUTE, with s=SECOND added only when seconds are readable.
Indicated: h=4 m=30
